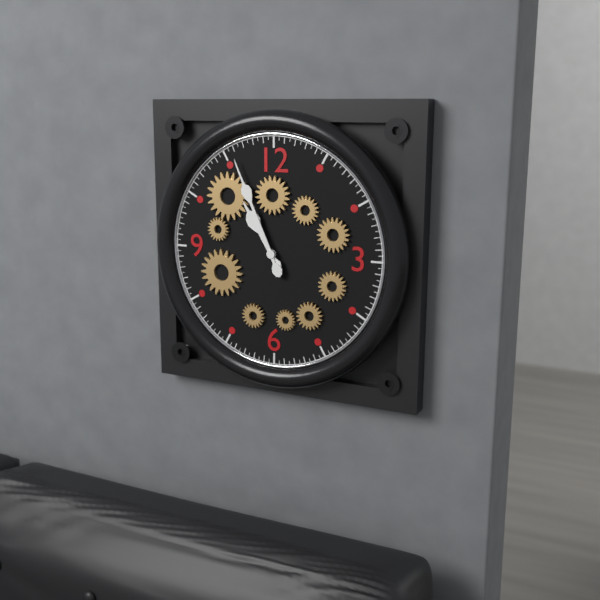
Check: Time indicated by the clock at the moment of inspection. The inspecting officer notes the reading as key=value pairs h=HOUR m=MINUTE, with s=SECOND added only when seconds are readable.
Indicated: h=10 m=56
